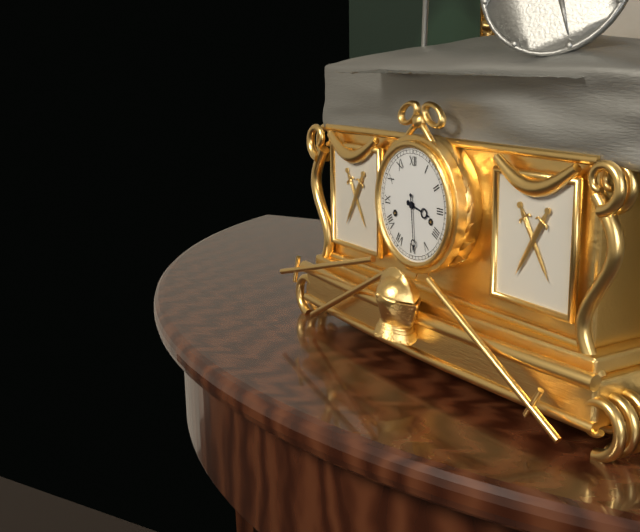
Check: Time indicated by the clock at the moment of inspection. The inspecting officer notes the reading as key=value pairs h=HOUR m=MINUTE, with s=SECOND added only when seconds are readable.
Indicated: h=3 m=29
